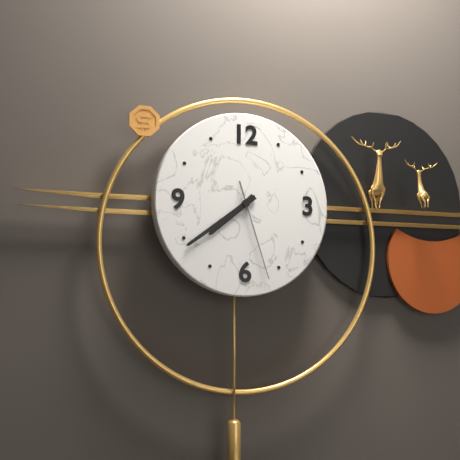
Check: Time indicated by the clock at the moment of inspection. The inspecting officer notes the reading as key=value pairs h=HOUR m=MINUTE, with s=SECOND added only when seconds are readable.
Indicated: h=7 m=39 s=27
